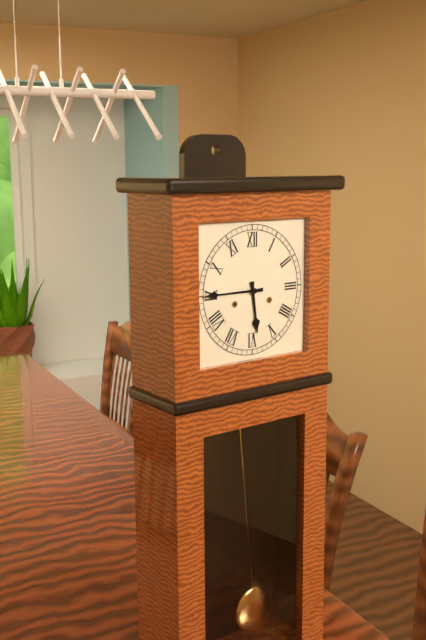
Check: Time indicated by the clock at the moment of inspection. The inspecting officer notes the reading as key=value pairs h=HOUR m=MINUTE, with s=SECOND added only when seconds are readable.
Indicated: h=5 m=45
